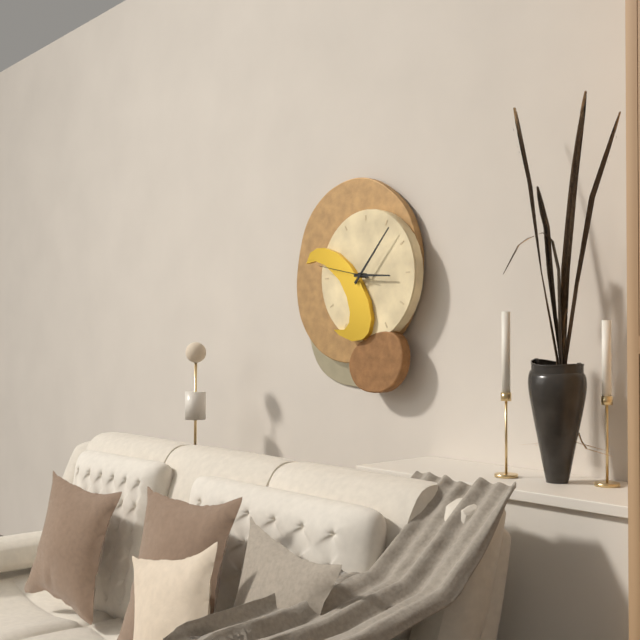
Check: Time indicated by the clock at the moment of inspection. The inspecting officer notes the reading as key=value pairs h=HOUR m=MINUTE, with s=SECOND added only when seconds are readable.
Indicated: h=3 m=7 s=47
